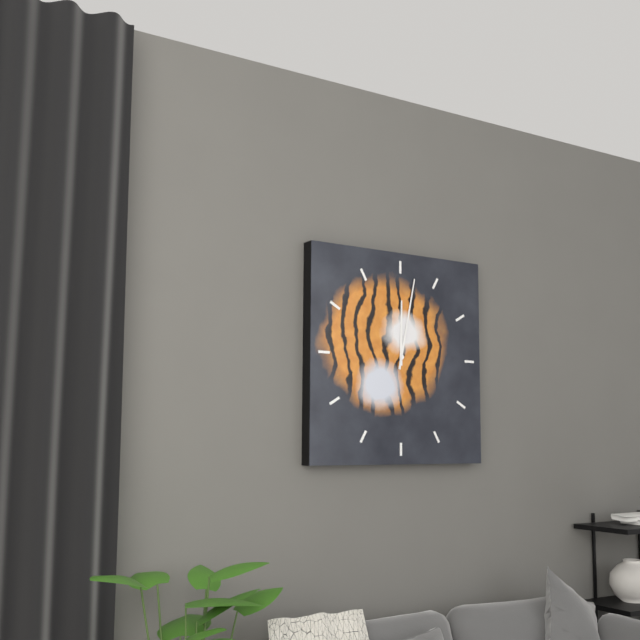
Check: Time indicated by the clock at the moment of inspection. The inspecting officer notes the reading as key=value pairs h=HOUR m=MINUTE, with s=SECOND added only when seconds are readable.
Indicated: h=12 m=2
